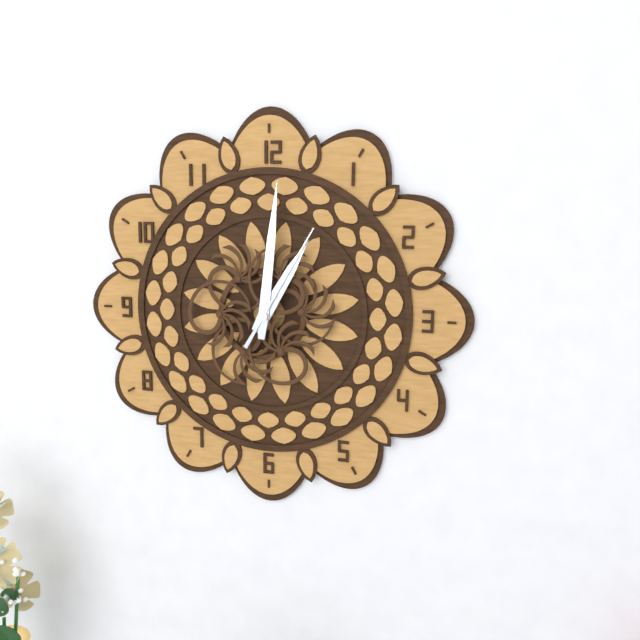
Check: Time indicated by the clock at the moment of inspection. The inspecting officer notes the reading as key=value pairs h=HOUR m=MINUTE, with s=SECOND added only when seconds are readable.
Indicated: h=1 m=1 s=5
